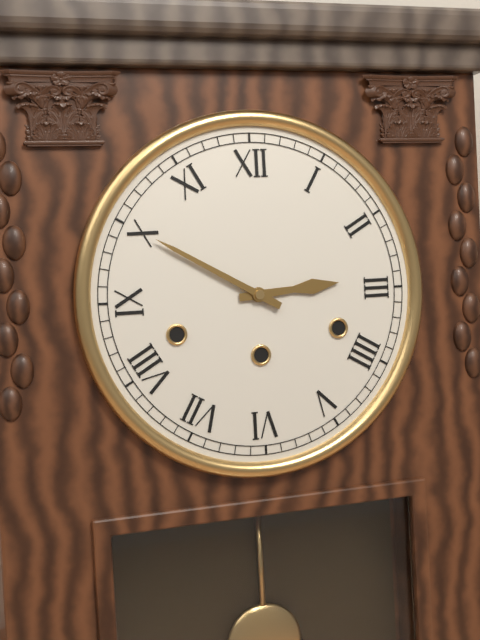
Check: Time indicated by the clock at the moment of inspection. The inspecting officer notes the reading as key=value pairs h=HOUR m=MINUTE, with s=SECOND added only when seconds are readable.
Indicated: h=2 m=50
